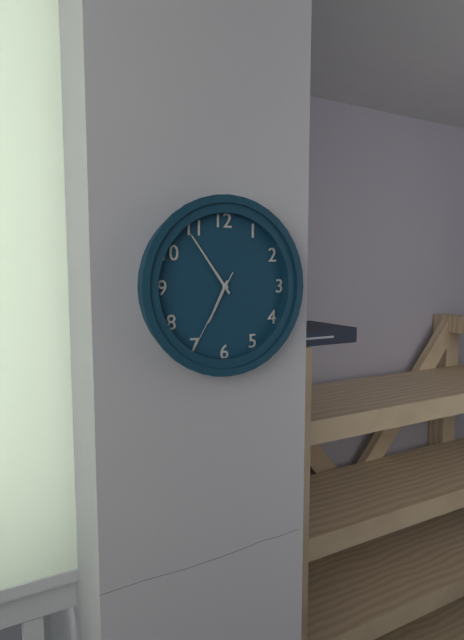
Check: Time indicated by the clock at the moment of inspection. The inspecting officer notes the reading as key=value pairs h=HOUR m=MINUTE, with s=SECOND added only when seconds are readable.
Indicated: h=6 m=54 s=35
